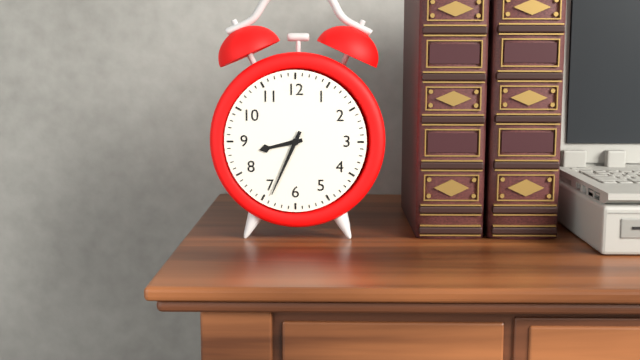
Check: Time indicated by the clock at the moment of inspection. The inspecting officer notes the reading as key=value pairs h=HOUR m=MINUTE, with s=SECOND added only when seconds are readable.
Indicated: h=8 m=34
